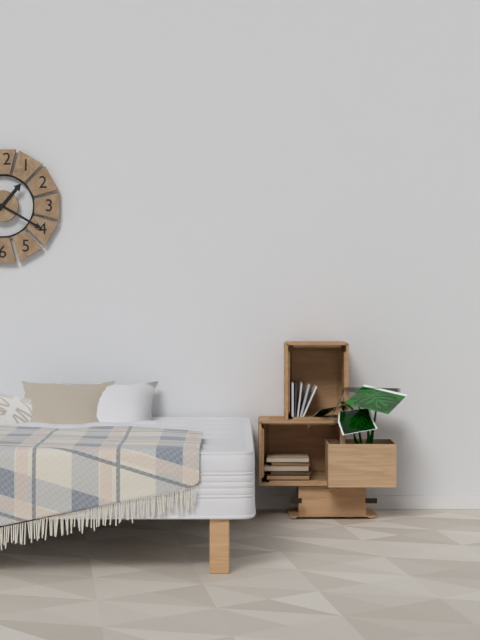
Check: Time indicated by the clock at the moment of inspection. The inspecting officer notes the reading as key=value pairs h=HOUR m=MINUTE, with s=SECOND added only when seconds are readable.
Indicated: h=1 m=20
